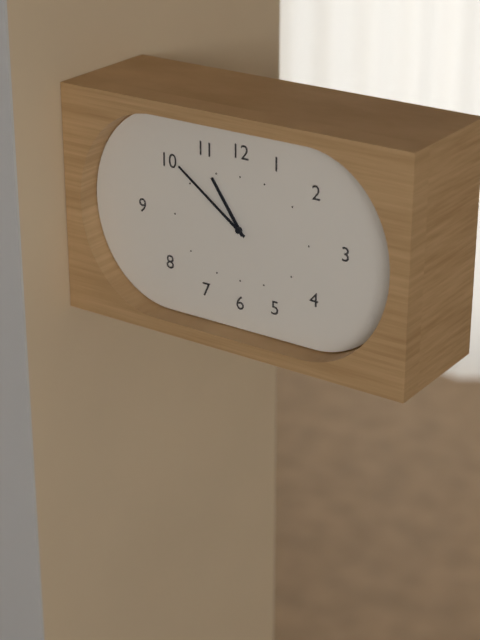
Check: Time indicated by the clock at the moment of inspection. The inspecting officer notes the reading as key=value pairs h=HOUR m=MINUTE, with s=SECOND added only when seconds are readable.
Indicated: h=10 m=51
